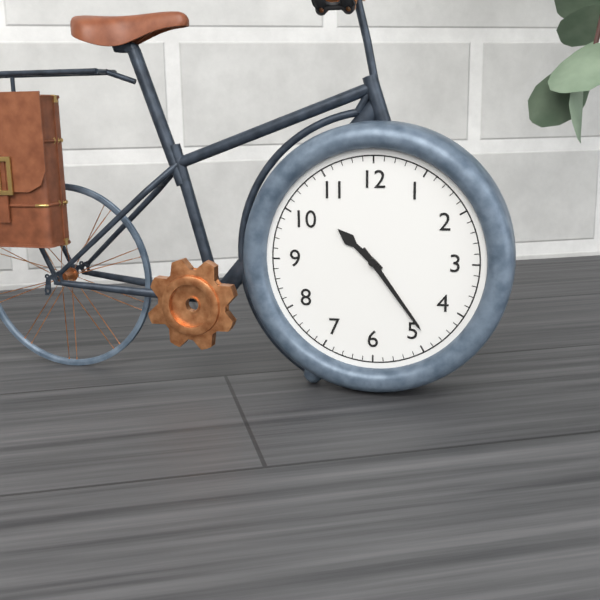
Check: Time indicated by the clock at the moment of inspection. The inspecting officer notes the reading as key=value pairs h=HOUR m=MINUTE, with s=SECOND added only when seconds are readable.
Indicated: h=10 m=24
